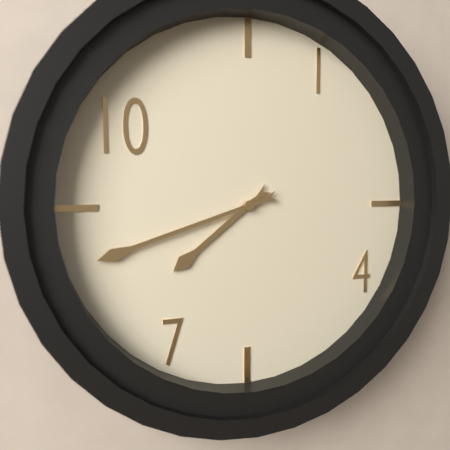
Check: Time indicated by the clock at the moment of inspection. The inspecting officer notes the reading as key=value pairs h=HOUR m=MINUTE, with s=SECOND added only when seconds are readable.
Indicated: h=7 m=42
